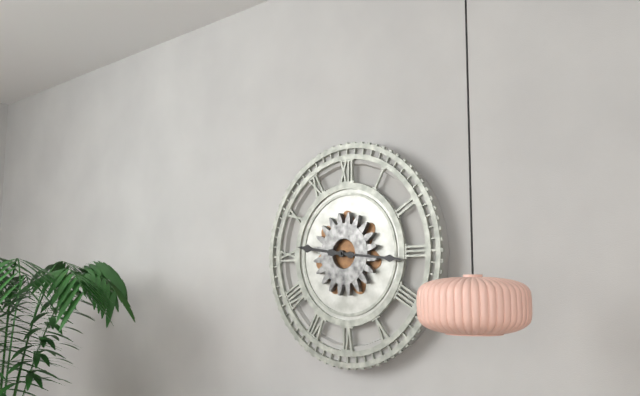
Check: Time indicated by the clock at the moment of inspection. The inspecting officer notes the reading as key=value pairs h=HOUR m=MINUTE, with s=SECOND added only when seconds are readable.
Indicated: h=9 m=16
